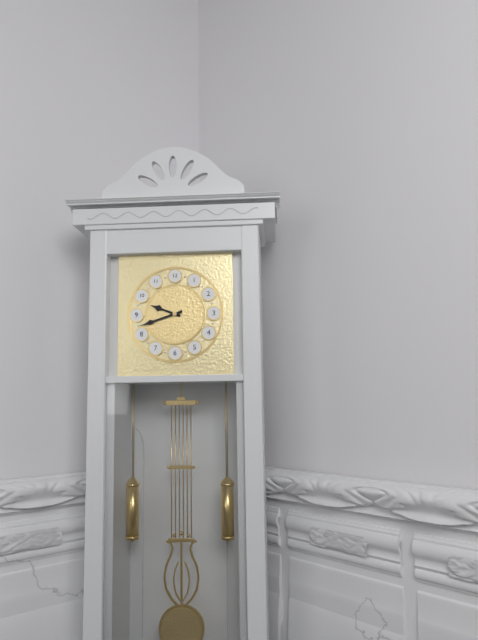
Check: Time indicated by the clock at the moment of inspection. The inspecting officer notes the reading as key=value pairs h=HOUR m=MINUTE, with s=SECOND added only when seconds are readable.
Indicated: h=9 m=42
